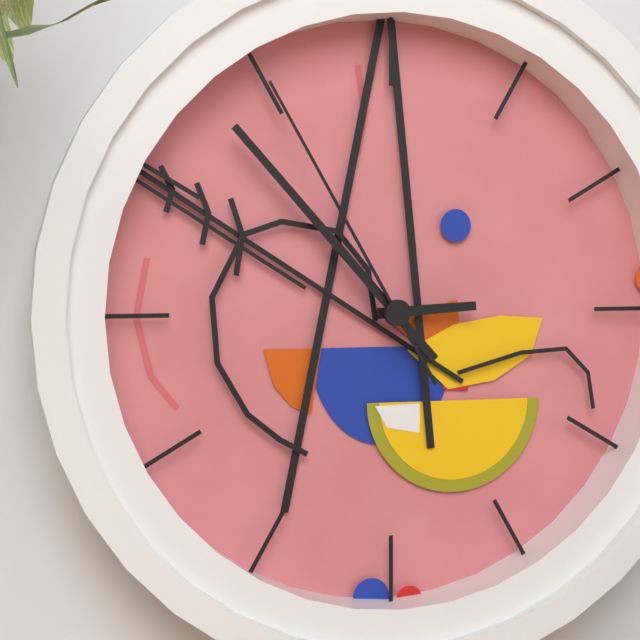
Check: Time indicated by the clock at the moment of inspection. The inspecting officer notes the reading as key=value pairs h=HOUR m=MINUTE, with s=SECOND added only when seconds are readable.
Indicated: h=2 m=53 s=55
